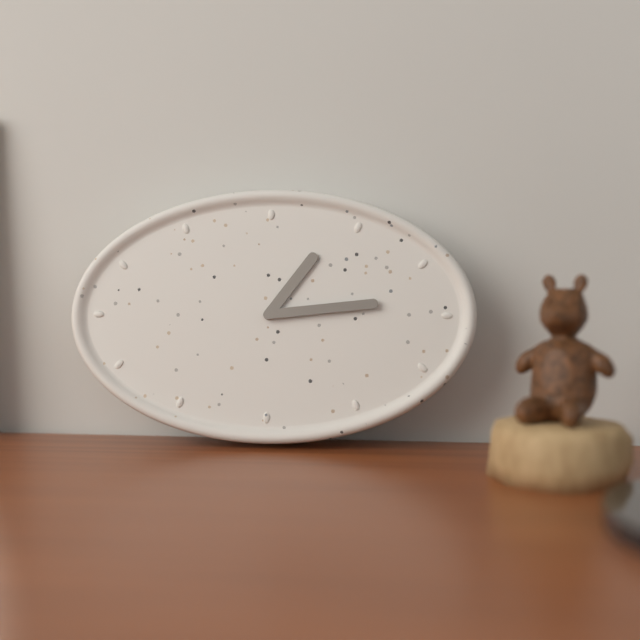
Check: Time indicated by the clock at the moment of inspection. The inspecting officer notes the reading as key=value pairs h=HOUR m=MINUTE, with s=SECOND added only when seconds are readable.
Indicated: h=1 m=14
